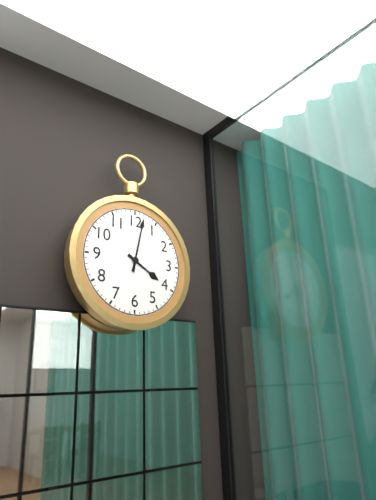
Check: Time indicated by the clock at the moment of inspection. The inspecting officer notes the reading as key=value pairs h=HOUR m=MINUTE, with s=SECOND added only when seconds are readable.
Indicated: h=4 m=2
